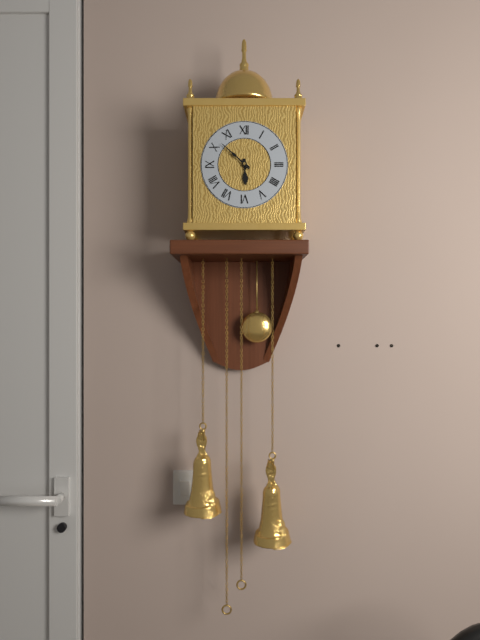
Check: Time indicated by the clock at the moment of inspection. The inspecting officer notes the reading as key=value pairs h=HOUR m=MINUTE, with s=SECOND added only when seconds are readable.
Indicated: h=5 m=52
